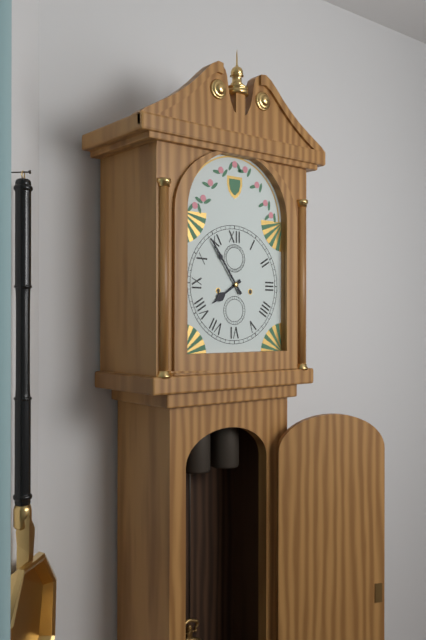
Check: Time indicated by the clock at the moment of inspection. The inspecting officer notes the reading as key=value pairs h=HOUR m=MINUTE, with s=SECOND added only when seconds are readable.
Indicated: h=7 m=54
